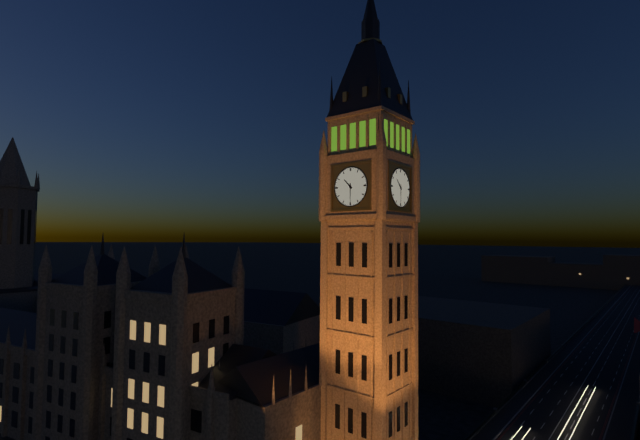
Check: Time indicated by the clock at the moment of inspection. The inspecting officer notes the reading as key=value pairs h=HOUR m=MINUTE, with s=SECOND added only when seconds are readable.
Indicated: h=10 m=30
